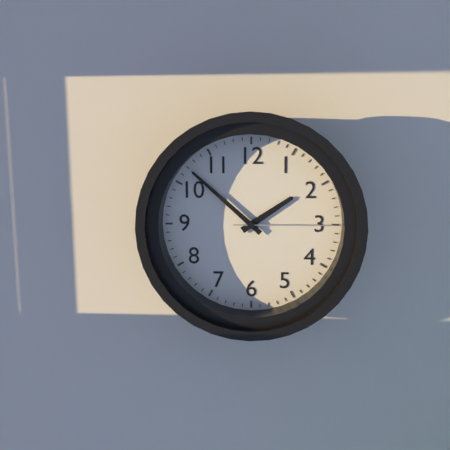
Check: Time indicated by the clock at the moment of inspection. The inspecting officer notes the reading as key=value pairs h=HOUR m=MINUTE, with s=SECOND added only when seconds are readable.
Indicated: h=1 m=52 s=15
